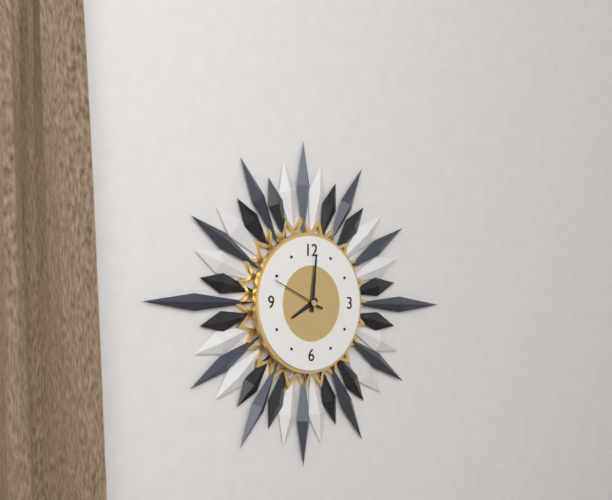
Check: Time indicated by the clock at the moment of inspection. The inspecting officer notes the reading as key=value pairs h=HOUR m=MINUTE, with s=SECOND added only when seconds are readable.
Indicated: h=8 m=1 s=49
